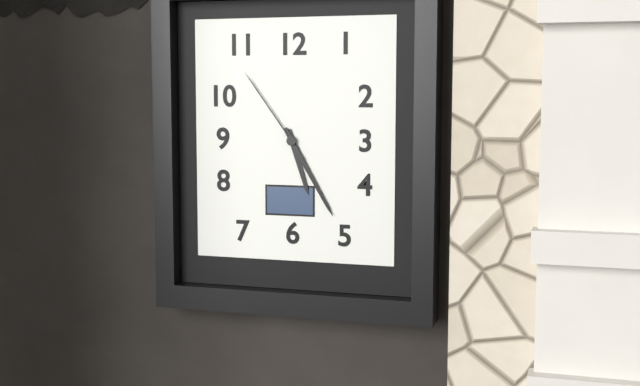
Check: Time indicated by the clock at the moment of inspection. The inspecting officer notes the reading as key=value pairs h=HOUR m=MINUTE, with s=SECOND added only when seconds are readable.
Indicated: h=5 m=25 s=54
